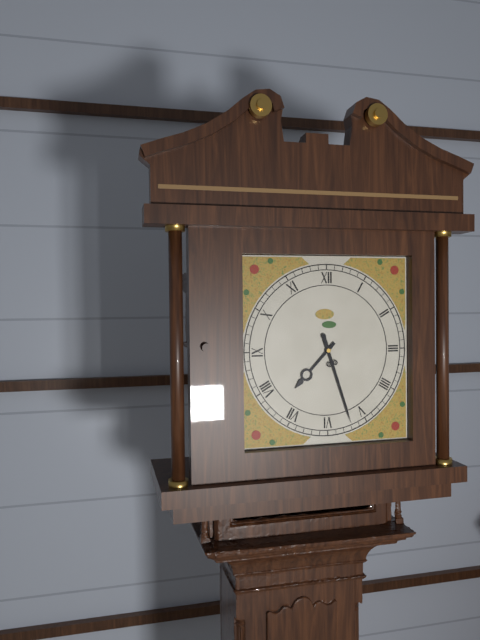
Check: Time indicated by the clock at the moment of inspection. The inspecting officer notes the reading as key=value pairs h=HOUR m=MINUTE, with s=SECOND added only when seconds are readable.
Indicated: h=7 m=27
